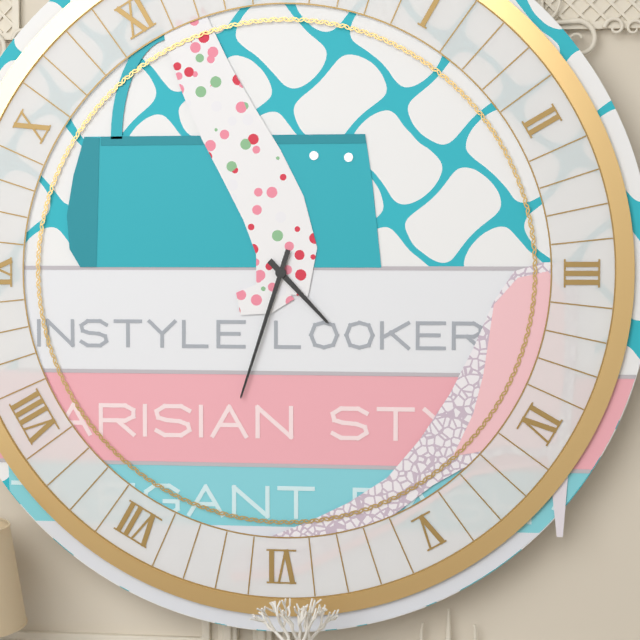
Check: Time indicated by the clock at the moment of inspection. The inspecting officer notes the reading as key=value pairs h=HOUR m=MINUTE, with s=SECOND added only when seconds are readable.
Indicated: h=4 m=33
